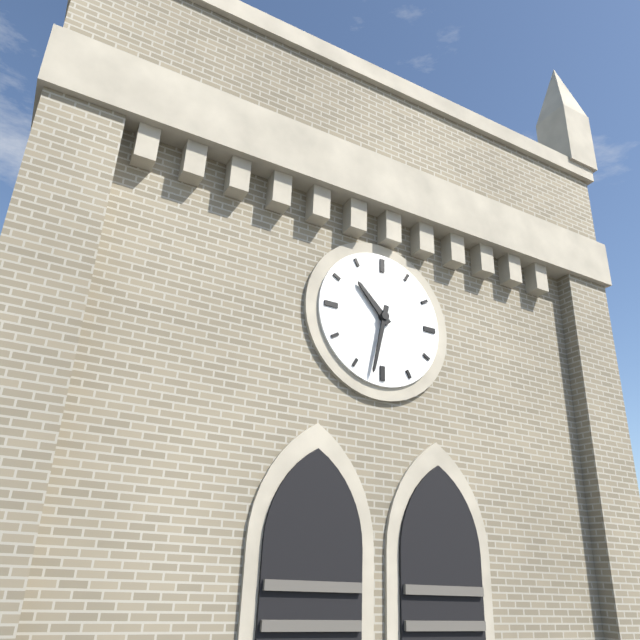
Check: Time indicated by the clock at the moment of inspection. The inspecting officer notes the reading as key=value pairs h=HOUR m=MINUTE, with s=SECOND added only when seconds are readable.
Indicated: h=10 m=32
